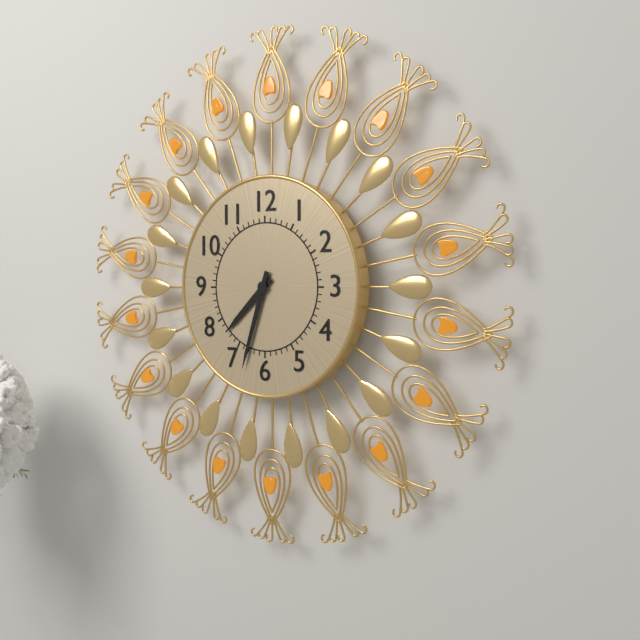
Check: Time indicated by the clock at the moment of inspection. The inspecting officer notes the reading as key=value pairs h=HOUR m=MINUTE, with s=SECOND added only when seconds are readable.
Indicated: h=7 m=33
